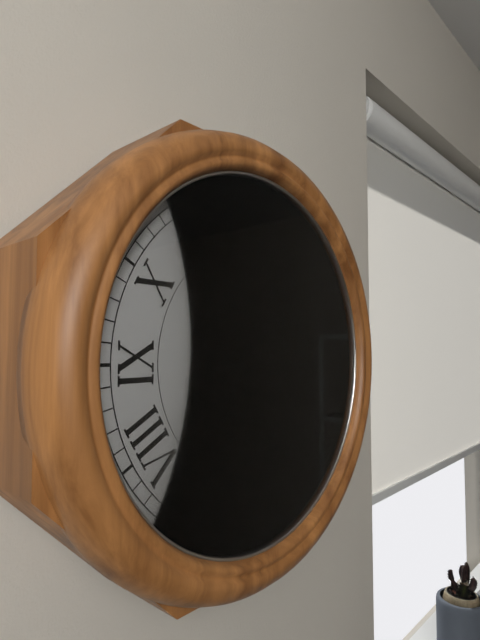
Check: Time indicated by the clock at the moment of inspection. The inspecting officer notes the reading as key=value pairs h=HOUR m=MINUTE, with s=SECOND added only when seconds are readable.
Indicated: h=12 m=6
